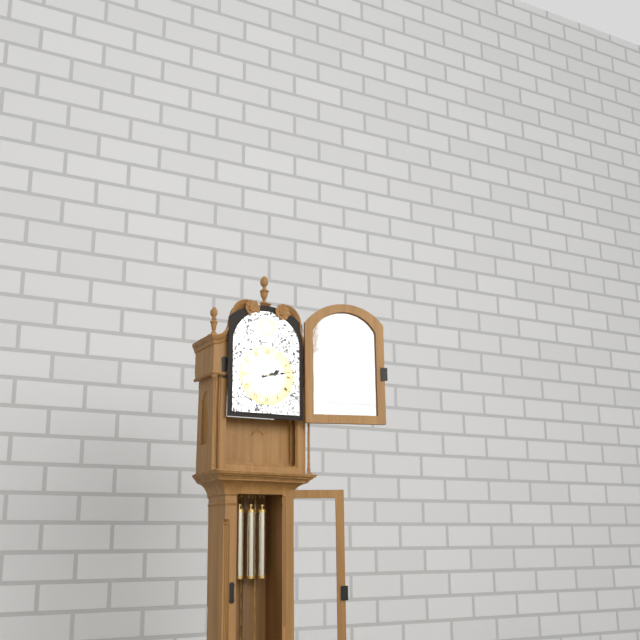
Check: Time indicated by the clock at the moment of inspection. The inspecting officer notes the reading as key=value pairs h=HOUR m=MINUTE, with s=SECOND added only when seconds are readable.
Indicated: h=2 m=13
